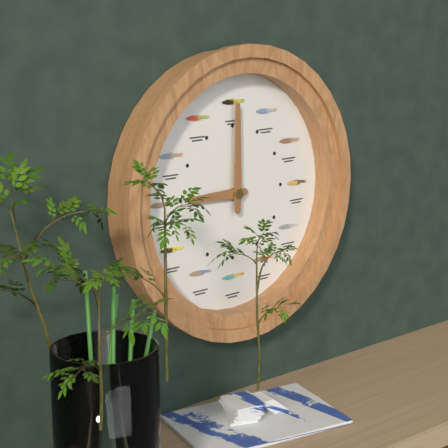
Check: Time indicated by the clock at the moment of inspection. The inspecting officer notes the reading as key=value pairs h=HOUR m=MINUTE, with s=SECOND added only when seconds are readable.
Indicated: h=9 m=0
